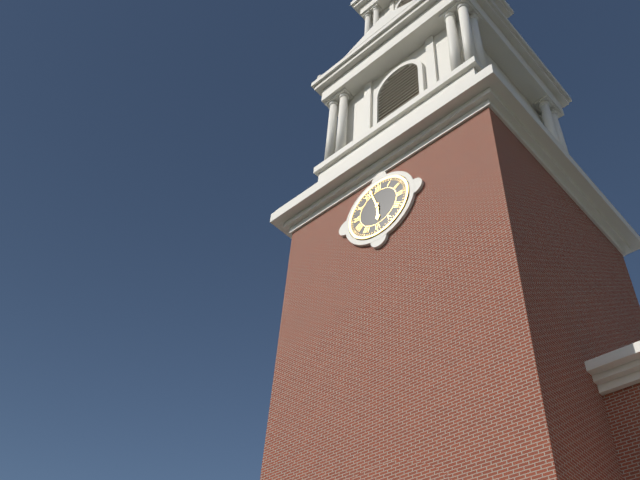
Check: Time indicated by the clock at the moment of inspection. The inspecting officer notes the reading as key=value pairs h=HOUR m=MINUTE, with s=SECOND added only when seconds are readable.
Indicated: h=5 m=57
